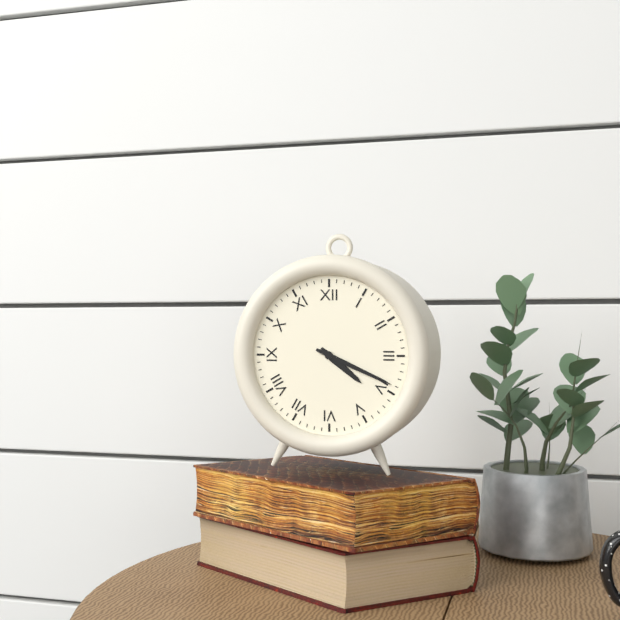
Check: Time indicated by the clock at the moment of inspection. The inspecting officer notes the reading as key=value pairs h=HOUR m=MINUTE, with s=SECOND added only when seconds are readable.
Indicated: h=4 m=19
